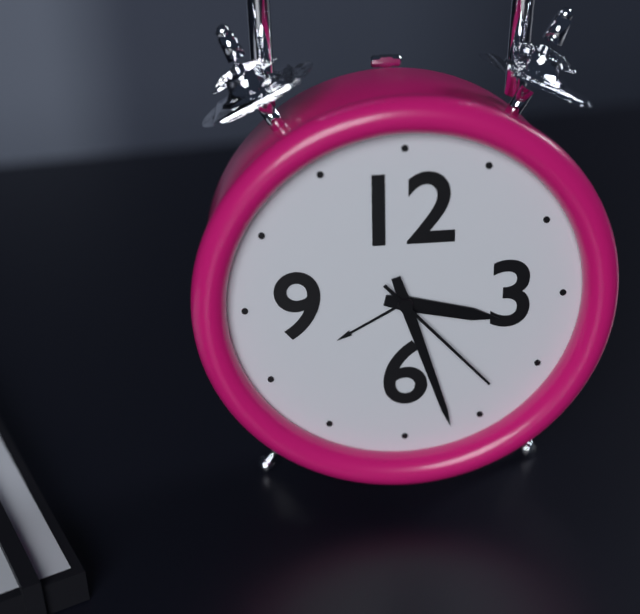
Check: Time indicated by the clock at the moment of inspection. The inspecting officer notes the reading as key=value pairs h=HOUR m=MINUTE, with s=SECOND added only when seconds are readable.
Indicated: h=3 m=27 s=23
